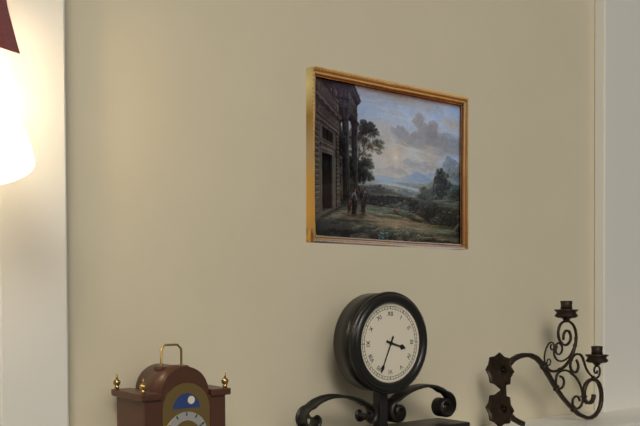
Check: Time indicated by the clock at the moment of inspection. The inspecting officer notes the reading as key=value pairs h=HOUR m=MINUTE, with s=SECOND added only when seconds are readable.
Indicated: h=3 m=34
